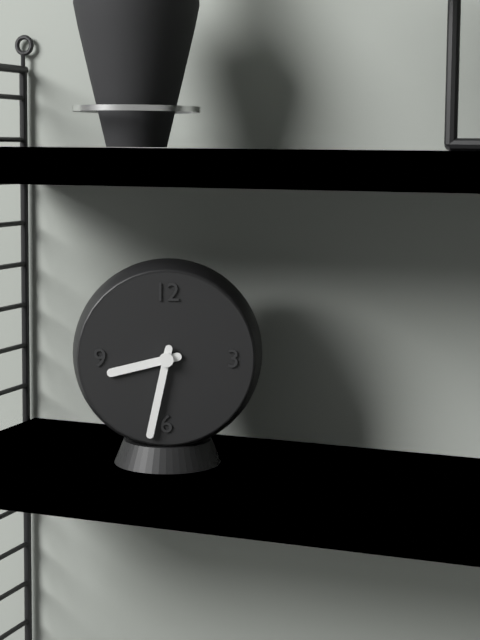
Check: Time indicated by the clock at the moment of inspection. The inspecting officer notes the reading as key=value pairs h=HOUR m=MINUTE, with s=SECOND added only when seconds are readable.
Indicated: h=8 m=32
